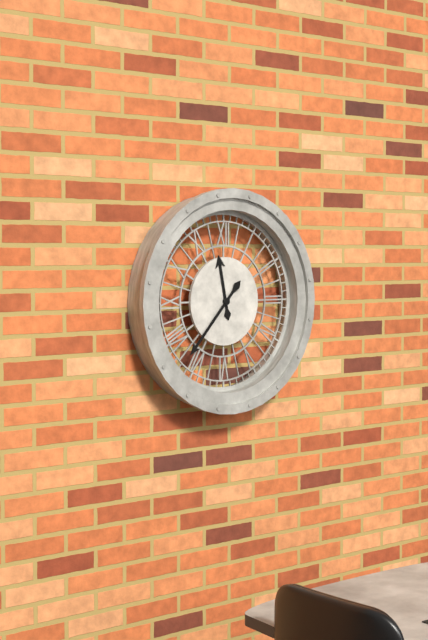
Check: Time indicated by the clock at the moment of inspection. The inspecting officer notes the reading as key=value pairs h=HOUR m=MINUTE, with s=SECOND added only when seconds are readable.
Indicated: h=11 m=37
